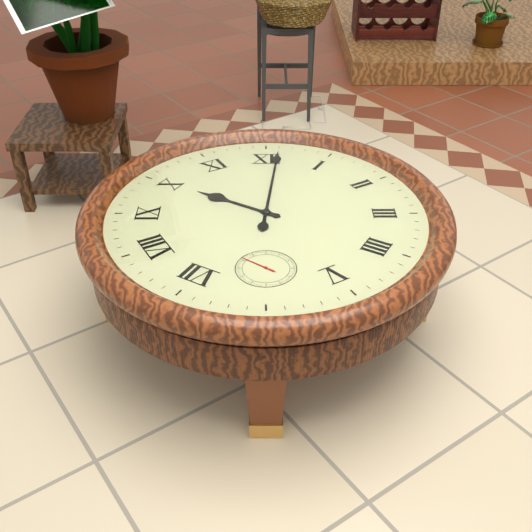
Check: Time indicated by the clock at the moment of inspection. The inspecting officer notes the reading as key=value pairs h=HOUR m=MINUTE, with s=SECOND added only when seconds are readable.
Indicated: h=10 m=1
